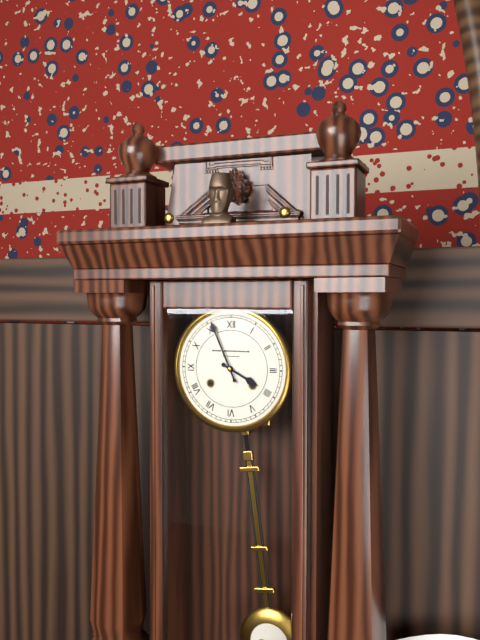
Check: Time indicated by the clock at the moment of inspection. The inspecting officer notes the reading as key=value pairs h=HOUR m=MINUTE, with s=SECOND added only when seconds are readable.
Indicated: h=3 m=56
